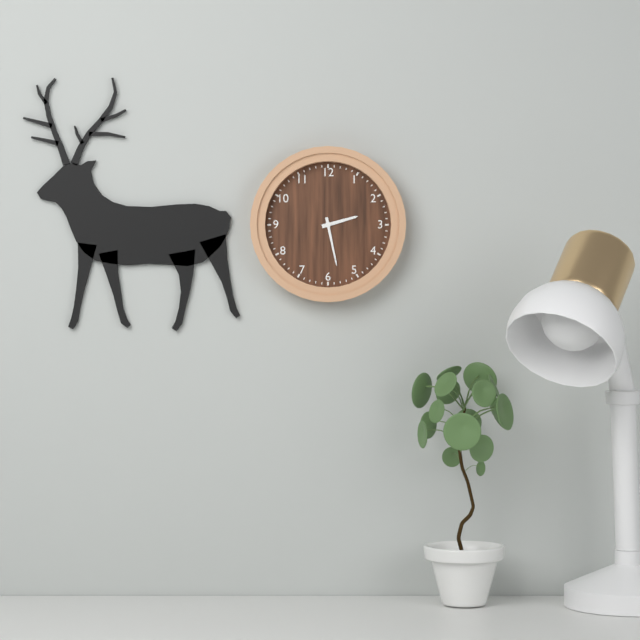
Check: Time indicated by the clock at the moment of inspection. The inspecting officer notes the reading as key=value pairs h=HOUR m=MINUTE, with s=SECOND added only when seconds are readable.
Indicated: h=2 m=28
